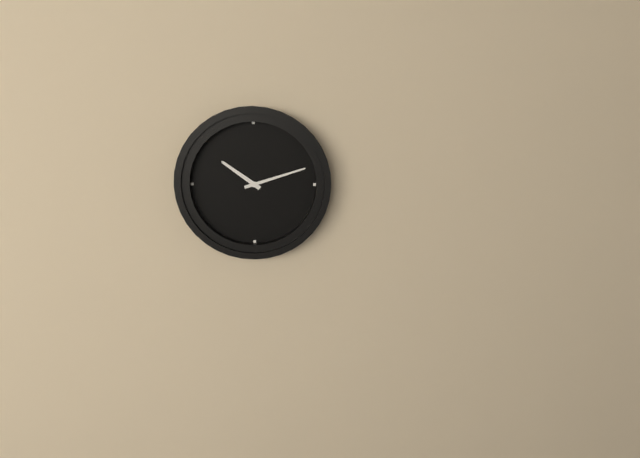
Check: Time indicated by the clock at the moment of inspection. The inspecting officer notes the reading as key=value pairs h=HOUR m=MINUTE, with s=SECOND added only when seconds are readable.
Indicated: h=10 m=12
